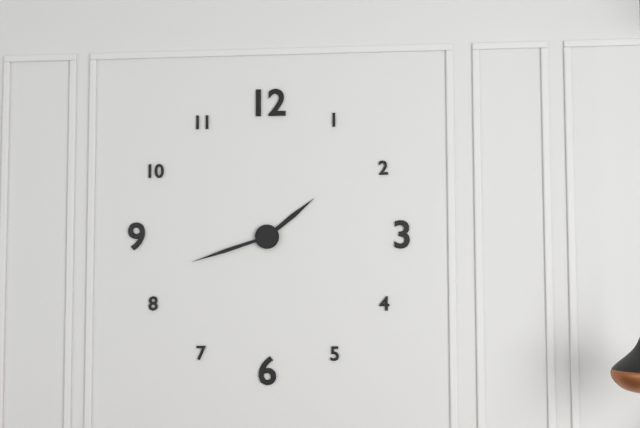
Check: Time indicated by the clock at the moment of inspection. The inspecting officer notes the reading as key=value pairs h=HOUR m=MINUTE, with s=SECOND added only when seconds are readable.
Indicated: h=1 m=42
